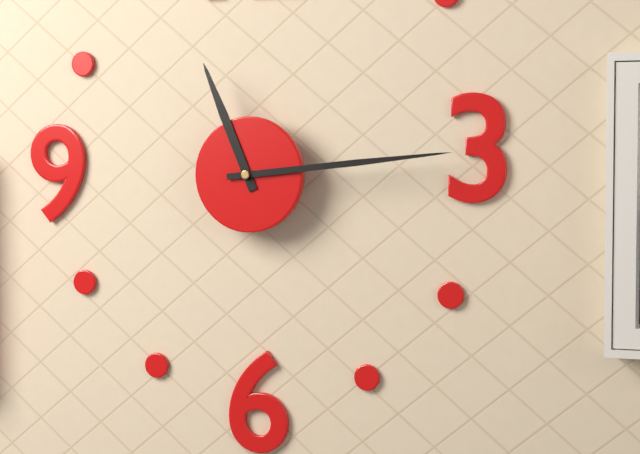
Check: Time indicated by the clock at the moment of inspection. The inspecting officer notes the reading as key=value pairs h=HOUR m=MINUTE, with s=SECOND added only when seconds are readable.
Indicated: h=11 m=14
